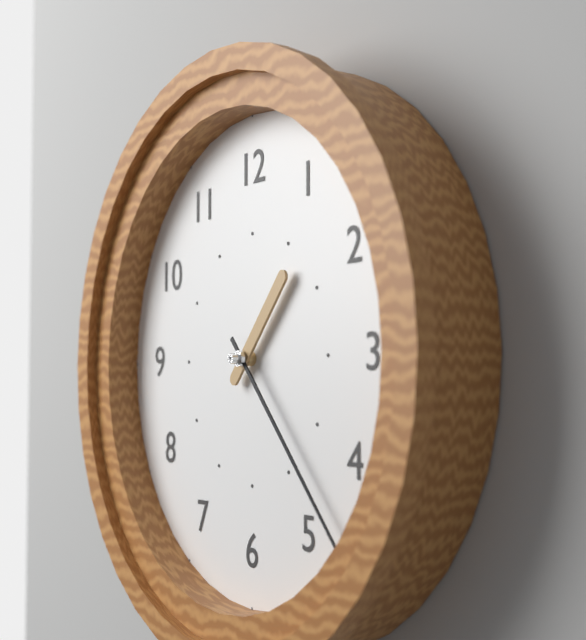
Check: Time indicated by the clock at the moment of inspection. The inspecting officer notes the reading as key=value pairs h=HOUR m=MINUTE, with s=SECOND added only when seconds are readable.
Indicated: h=1 m=23
